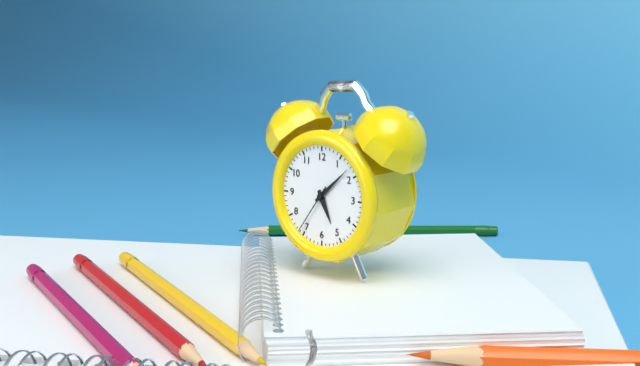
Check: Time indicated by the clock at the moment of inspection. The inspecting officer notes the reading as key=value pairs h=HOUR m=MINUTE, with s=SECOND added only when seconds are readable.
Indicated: h=5 m=8 s=36
